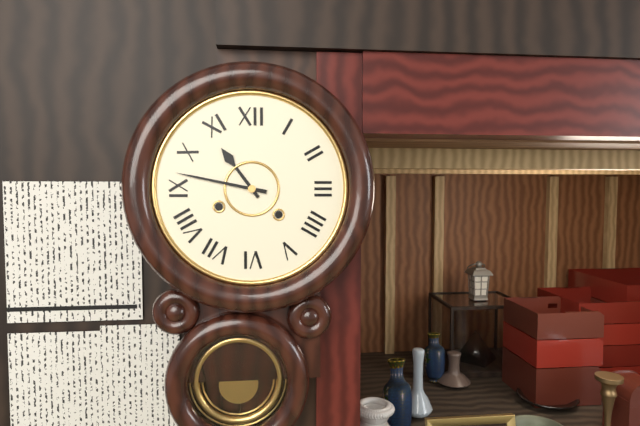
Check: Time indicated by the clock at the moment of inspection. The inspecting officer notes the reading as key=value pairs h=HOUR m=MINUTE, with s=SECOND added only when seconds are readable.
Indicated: h=10 m=47
